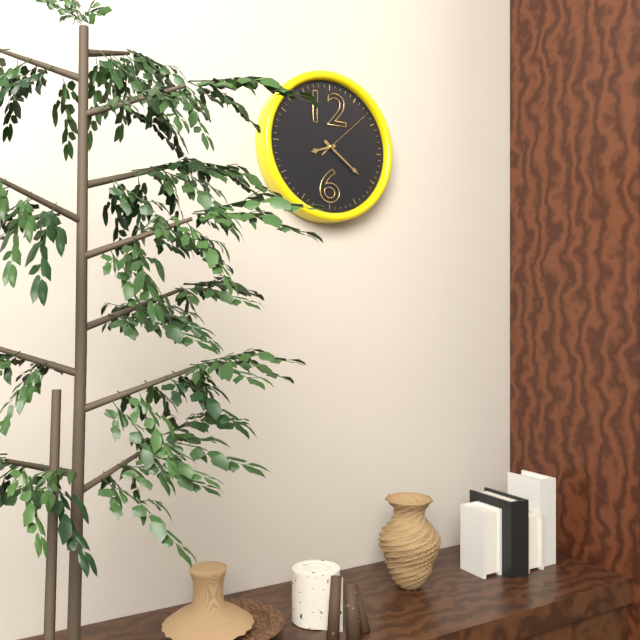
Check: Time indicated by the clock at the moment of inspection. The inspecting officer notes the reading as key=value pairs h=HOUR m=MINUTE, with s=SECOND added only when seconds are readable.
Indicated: h=8 m=21 s=8
